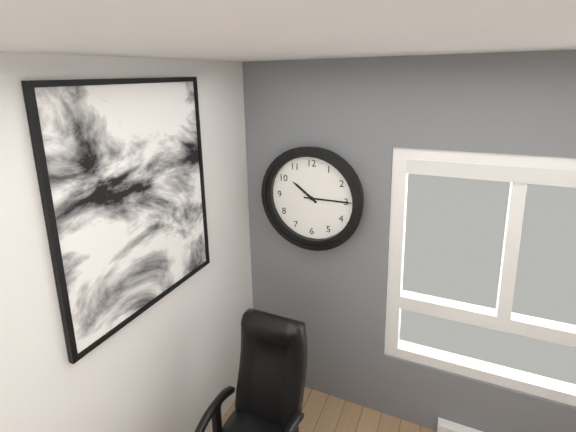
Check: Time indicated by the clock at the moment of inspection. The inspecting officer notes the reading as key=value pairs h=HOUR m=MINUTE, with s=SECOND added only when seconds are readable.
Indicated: h=10 m=15
